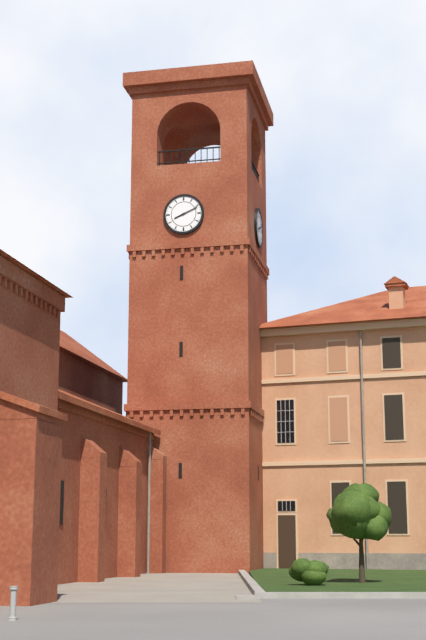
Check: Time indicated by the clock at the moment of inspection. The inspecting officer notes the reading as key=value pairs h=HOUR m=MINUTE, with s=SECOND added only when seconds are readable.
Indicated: h=8 m=11
